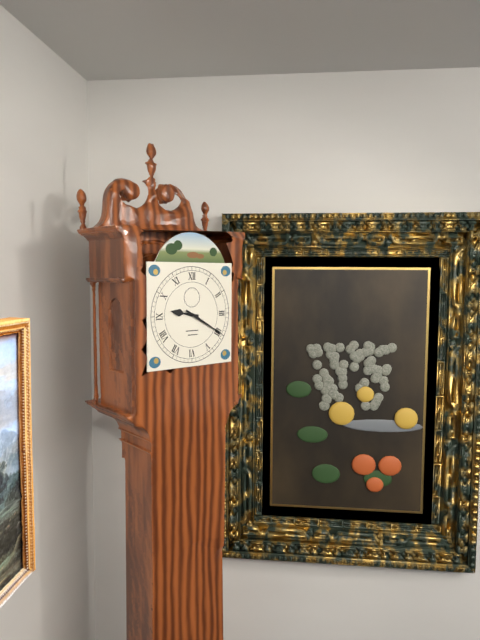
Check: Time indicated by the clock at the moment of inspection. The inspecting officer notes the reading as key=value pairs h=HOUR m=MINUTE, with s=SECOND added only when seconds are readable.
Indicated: h=9 m=20
